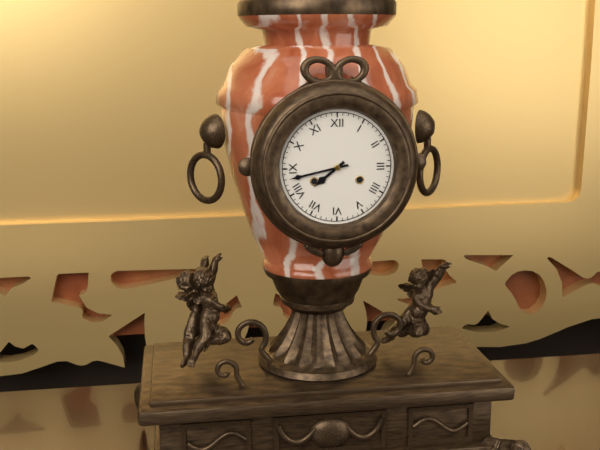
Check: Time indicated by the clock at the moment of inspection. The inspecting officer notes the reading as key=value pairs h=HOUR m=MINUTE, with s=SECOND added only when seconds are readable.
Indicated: h=7 m=43
